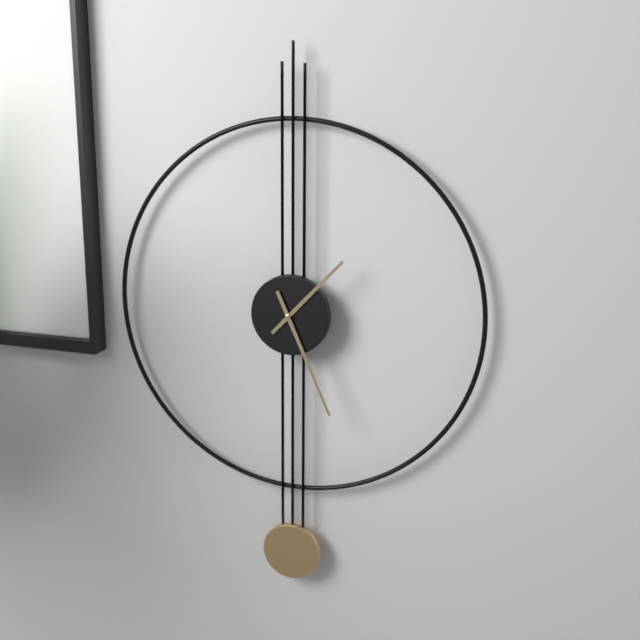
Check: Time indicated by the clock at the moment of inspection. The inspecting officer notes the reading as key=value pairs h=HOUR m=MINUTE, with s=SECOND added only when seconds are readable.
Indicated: h=1 m=26
